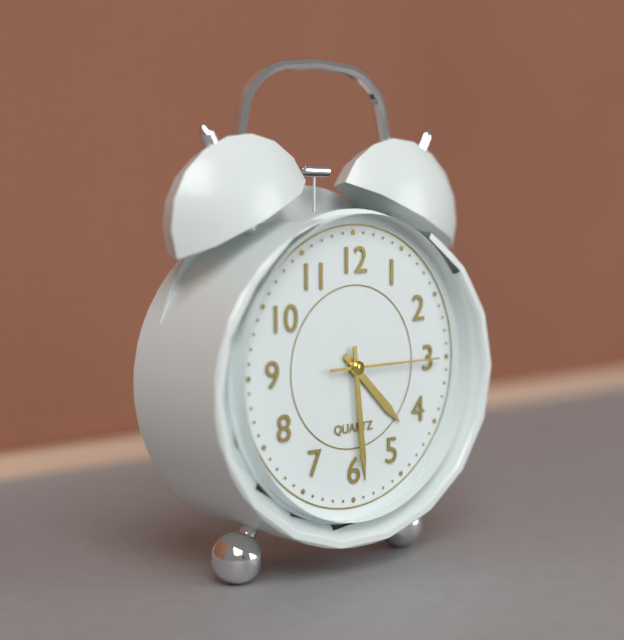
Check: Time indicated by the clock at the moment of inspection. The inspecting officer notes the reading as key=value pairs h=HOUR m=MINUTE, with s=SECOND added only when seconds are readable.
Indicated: h=4 m=29 s=15
